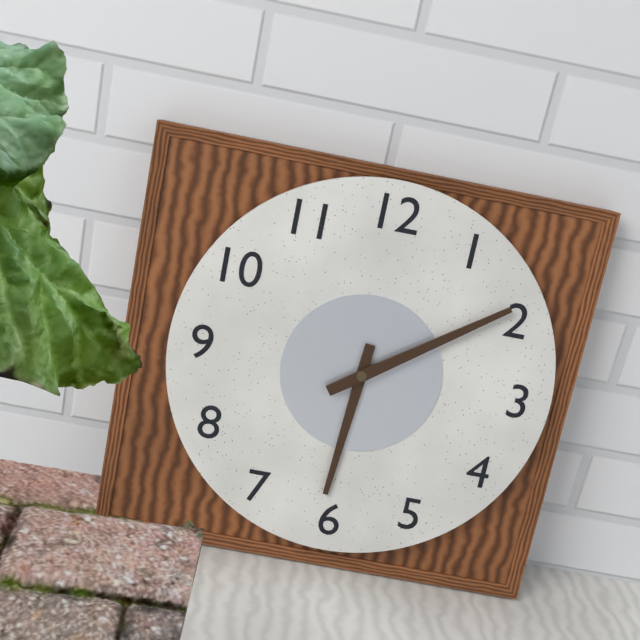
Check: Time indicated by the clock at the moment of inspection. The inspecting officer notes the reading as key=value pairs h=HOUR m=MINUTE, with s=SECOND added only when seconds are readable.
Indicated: h=6 m=9
